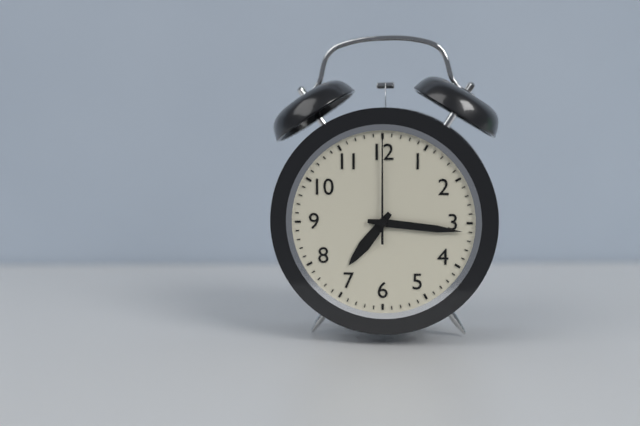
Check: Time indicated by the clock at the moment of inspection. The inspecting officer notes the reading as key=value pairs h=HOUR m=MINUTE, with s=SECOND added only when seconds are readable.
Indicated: h=7 m=16 s=0
